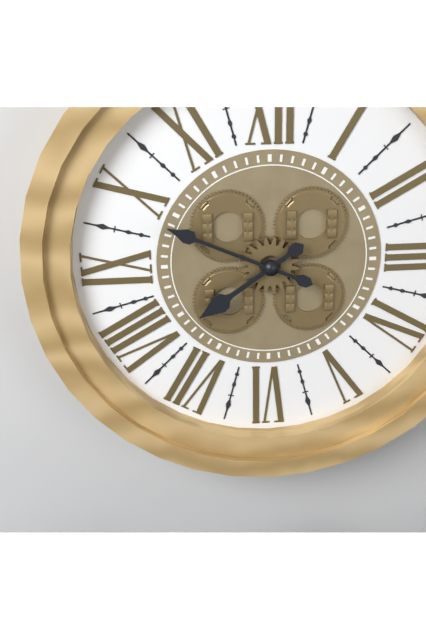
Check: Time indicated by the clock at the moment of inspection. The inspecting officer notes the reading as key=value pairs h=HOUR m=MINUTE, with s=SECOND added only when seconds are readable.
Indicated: h=7 m=49
